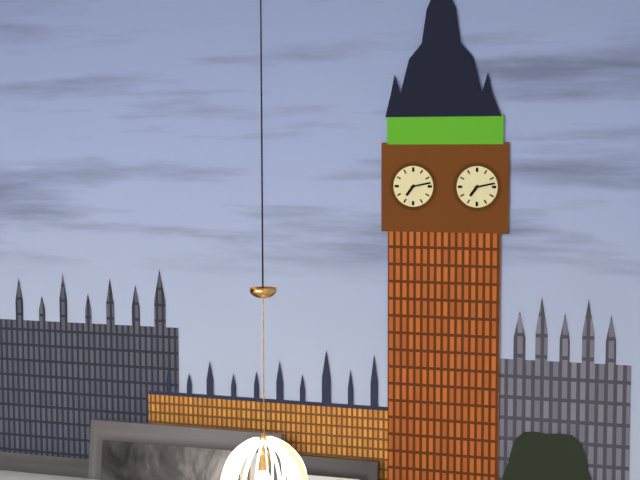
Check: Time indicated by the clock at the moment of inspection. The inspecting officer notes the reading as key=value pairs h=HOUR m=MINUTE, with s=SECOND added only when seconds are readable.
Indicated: h=7 m=13
